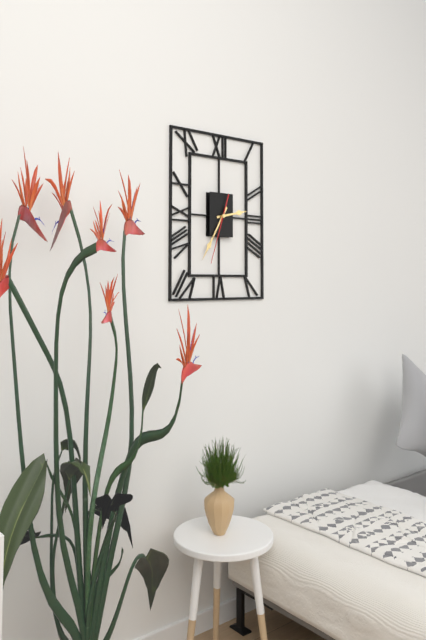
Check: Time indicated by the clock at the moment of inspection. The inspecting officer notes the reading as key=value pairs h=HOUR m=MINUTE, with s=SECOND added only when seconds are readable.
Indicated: h=2 m=35 s=33
